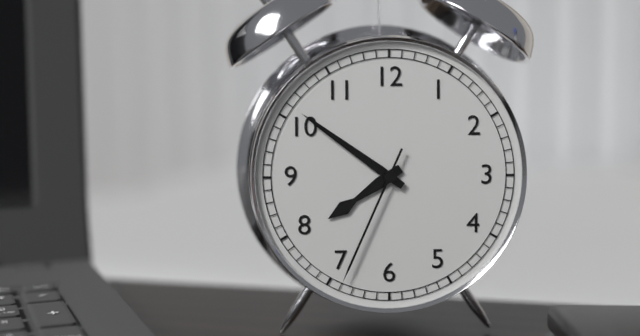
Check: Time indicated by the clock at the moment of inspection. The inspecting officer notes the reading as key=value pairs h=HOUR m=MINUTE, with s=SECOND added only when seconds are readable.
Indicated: h=7 m=51 s=34
